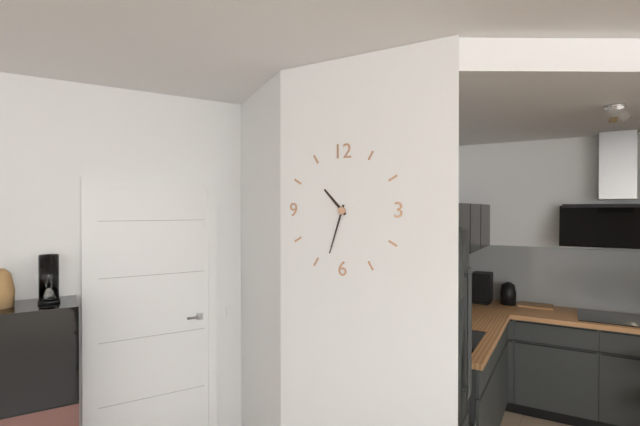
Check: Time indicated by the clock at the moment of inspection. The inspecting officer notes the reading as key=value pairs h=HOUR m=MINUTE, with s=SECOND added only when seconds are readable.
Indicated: h=10 m=33
